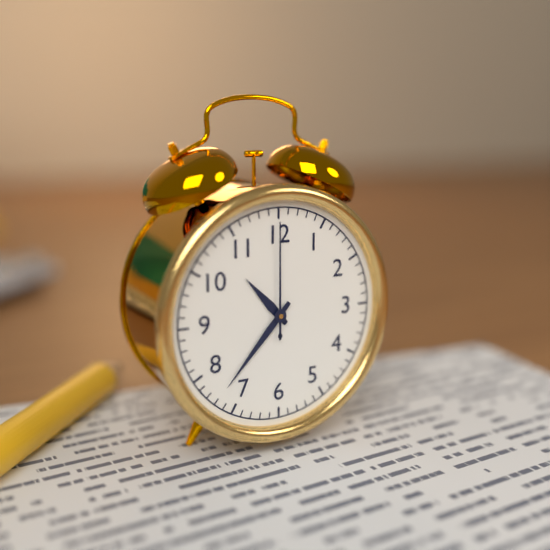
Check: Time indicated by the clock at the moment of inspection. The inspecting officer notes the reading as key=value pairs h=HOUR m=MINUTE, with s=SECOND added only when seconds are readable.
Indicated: h=10 m=37 s=0
